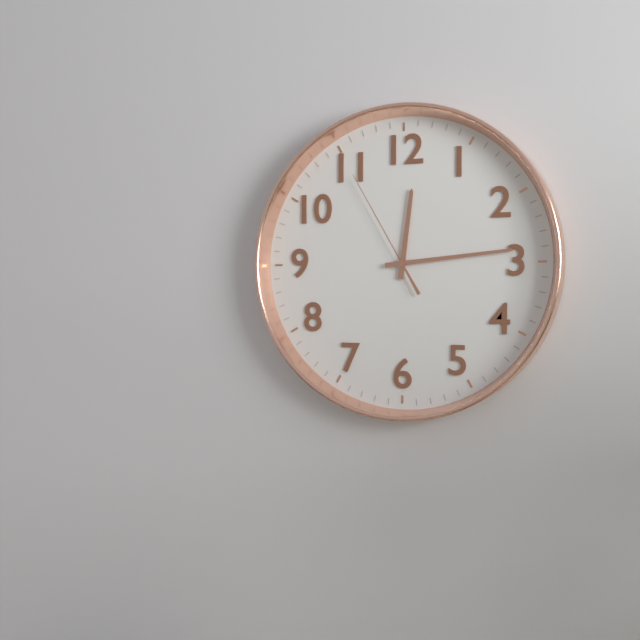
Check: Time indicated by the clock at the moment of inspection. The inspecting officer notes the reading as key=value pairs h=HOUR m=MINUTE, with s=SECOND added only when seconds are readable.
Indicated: h=12 m=14 s=55
